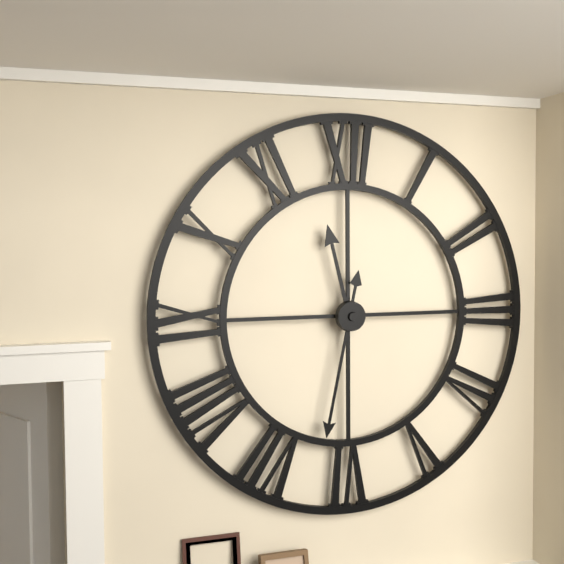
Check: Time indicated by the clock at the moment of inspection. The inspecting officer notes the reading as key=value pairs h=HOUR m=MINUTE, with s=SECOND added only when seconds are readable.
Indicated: h=11 m=32
